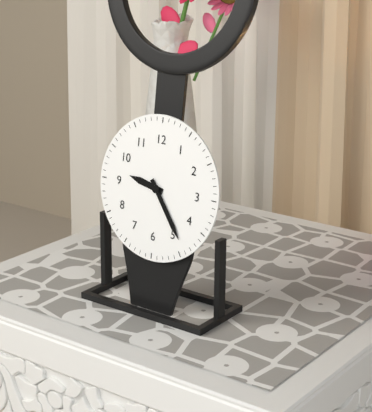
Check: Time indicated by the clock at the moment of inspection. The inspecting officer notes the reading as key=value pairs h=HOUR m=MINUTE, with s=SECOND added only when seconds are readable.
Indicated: h=9 m=24
